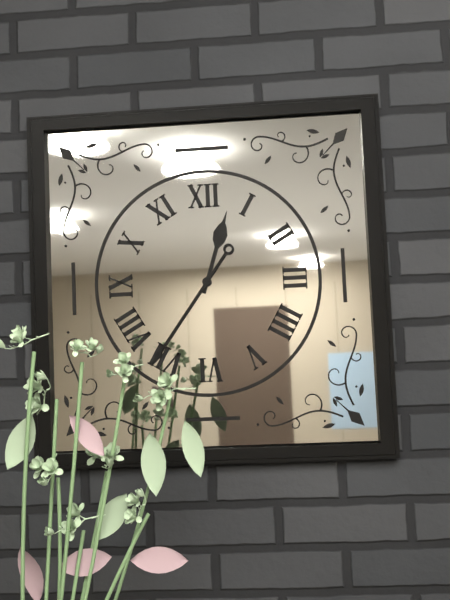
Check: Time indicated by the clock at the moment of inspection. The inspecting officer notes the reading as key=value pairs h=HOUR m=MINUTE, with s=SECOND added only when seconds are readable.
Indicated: h=12 m=36
